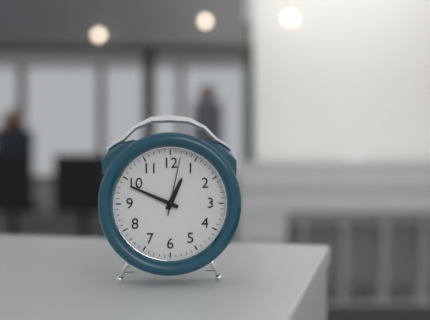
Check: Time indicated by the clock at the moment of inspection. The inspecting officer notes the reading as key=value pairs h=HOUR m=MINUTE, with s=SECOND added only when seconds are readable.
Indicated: h=12 m=49 s=2
